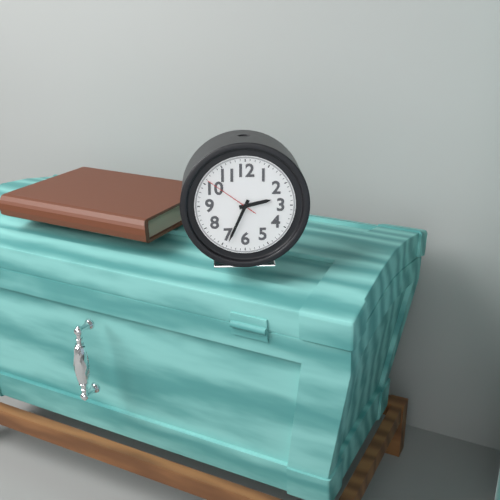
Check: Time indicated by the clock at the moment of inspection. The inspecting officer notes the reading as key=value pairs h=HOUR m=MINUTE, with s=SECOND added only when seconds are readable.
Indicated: h=2 m=34 s=51
